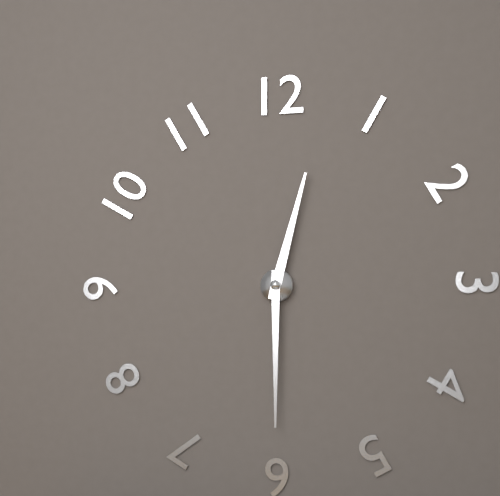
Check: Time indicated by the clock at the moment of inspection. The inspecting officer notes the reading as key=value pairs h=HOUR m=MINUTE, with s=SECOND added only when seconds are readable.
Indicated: h=12 m=30
